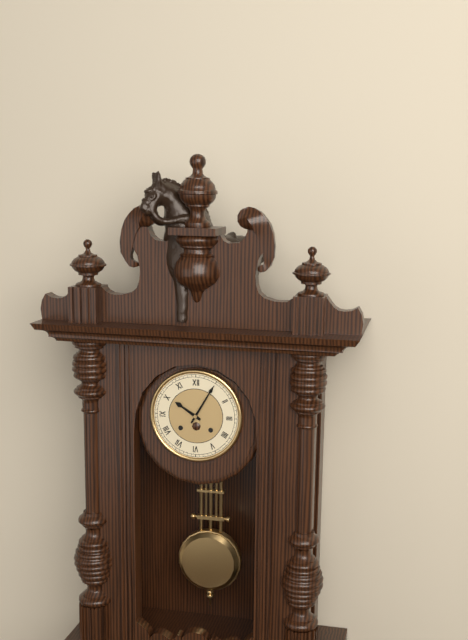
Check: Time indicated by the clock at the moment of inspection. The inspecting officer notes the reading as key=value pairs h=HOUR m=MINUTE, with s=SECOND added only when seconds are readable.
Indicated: h=10 m=5
